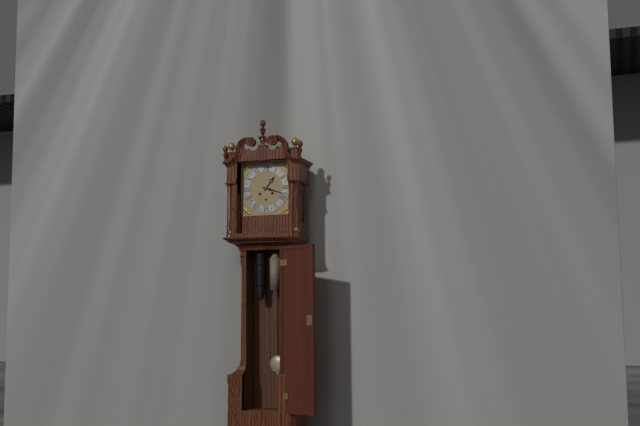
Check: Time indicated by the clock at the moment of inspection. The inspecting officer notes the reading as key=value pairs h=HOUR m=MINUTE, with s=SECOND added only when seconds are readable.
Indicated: h=1 m=18
